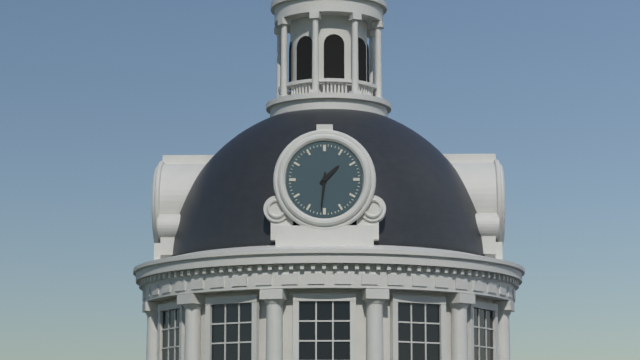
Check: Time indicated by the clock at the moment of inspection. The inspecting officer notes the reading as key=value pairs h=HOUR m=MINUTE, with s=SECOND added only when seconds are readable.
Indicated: h=1 m=31
